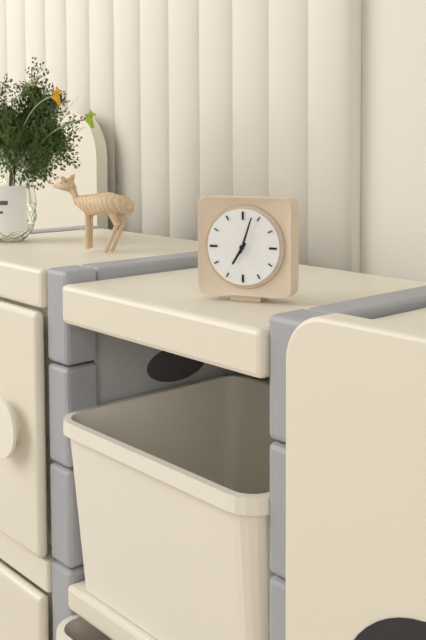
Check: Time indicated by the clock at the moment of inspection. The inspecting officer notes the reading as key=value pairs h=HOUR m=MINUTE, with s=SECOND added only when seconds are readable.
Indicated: h=7 m=3
